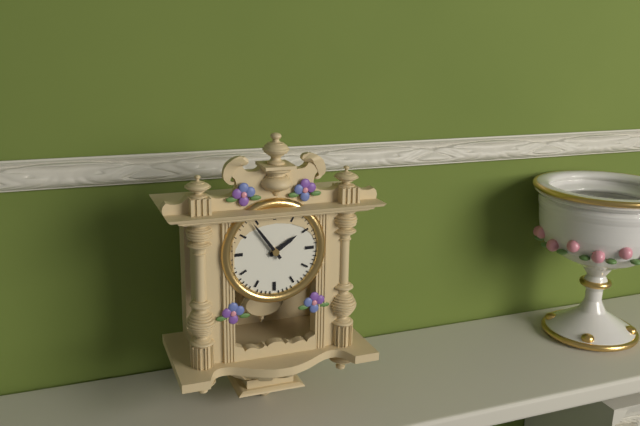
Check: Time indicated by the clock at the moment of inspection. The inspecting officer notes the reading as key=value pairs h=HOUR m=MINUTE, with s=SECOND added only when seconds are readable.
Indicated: h=1 m=54
